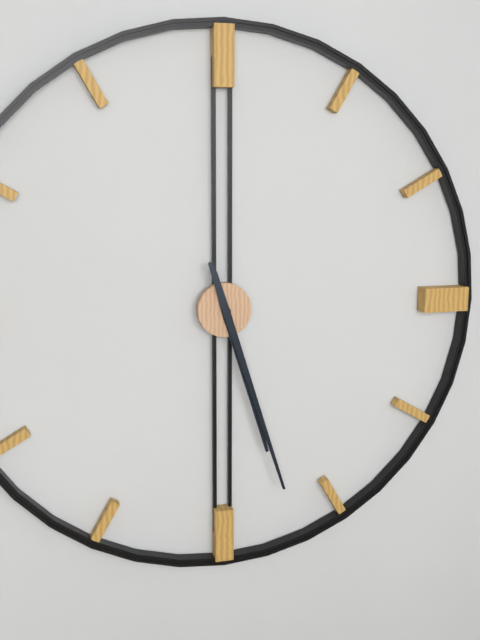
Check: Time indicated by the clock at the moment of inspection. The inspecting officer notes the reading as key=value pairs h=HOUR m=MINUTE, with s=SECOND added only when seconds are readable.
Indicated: h=5 m=27
